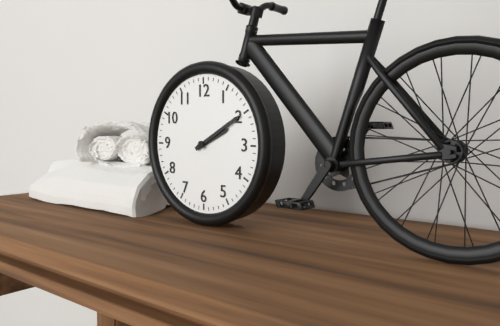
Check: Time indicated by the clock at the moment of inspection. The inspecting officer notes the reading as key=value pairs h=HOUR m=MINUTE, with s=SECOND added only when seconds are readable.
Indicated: h=2 m=10
